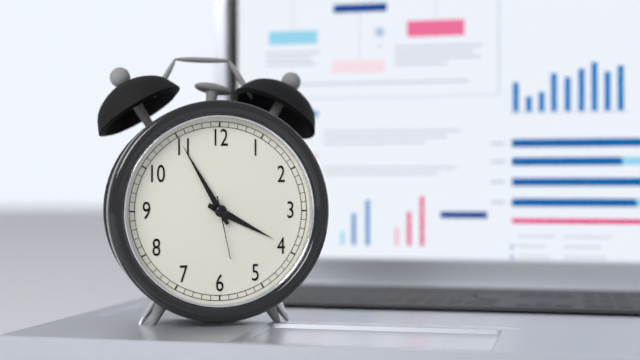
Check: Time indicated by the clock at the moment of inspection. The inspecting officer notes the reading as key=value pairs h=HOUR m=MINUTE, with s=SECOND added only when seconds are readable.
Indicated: h=3 m=55 s=28
